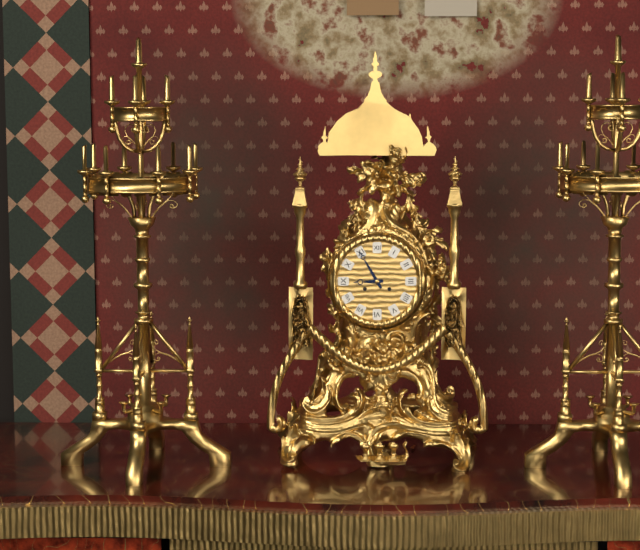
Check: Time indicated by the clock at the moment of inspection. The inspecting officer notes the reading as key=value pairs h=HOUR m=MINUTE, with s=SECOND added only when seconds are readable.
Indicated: h=8 m=55
